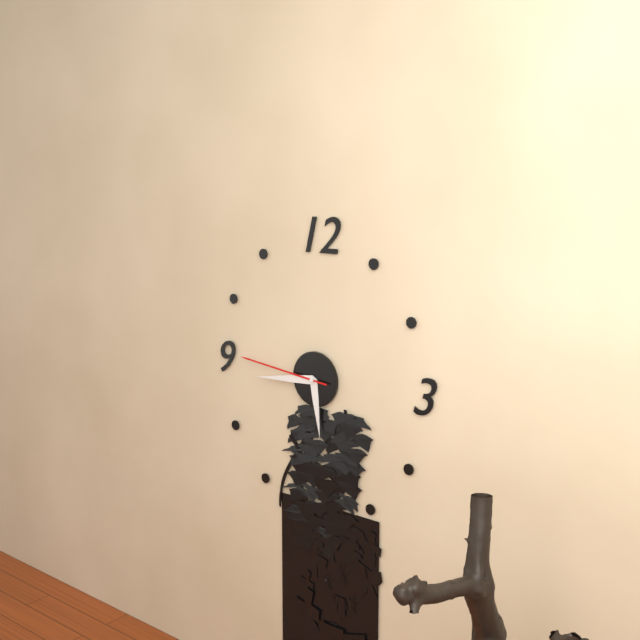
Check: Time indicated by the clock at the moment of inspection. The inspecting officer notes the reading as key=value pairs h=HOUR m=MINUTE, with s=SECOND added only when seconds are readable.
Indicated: h=5 m=44 s=46
